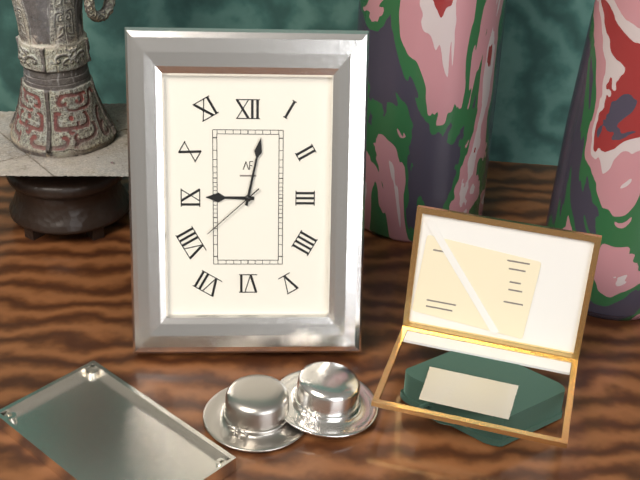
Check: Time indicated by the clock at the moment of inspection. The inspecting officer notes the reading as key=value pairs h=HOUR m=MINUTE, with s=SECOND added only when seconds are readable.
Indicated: h=9 m=2 s=38
